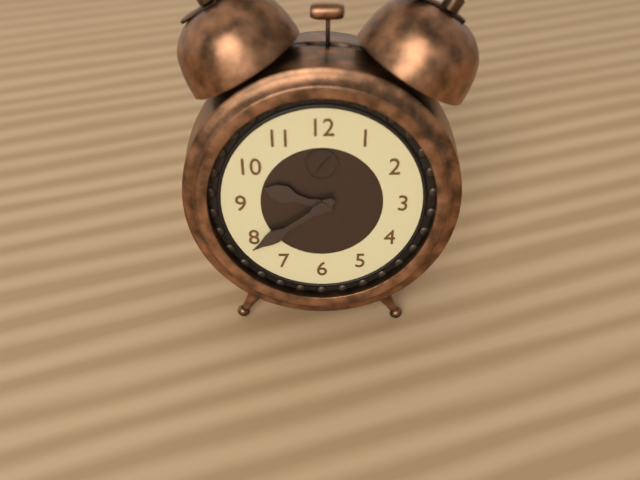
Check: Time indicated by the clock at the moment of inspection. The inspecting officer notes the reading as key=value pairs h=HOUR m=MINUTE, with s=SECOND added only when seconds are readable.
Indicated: h=9 m=39
